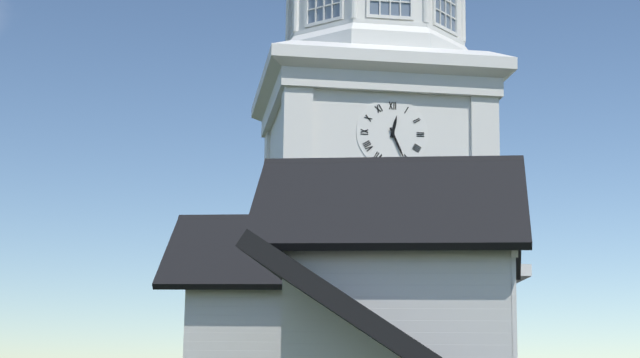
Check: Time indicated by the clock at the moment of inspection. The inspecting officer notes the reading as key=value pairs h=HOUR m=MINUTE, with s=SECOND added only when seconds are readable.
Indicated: h=12 m=26
